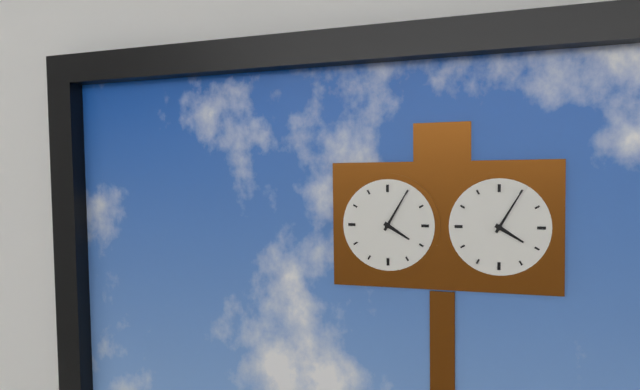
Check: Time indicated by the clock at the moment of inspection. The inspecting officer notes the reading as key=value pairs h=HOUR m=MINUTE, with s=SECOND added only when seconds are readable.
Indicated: h=4 m=5
